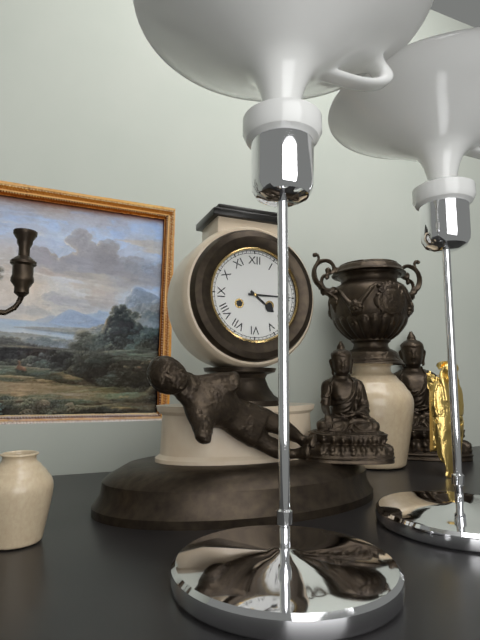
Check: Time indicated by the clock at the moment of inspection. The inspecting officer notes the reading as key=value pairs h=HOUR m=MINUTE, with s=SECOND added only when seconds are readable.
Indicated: h=4 m=15
